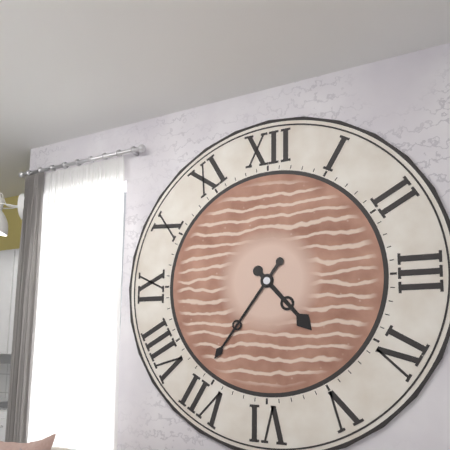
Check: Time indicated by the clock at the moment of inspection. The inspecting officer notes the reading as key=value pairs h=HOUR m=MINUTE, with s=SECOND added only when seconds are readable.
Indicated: h=4 m=36
